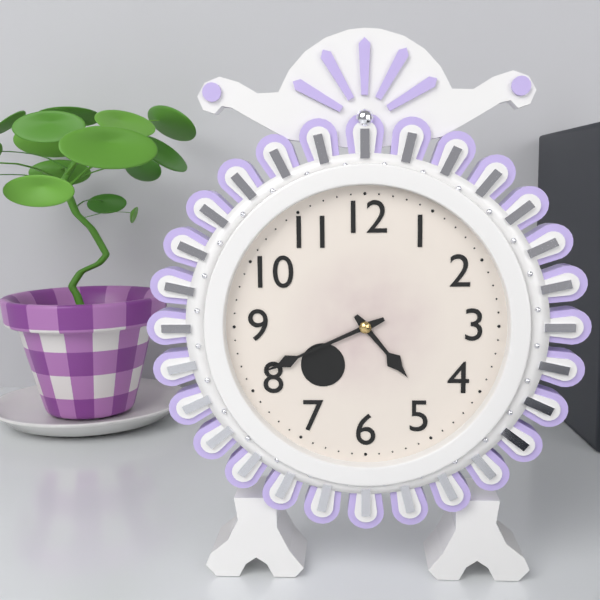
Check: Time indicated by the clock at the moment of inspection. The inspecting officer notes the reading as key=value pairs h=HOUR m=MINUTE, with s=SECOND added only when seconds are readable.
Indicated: h=4 m=41
